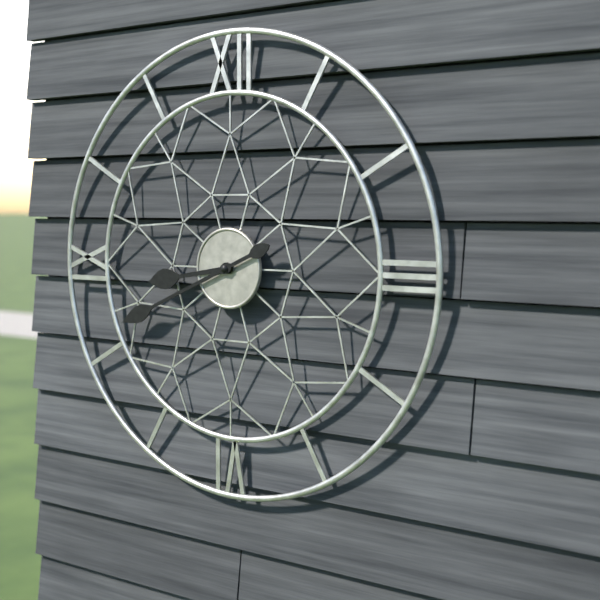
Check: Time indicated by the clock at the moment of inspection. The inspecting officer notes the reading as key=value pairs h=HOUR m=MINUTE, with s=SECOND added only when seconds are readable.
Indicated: h=8 m=41
